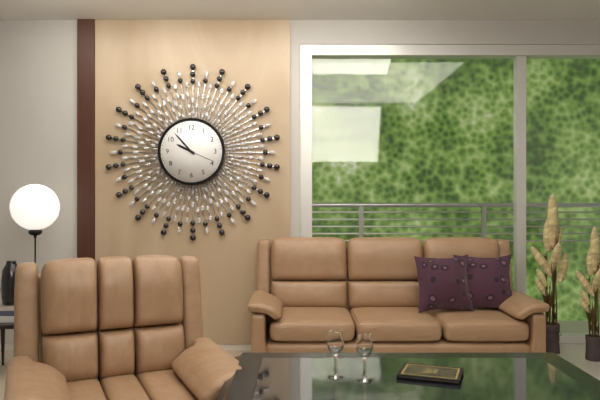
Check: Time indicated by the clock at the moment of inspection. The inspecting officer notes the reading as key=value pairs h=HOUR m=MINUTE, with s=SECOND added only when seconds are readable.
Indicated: h=9 m=53
